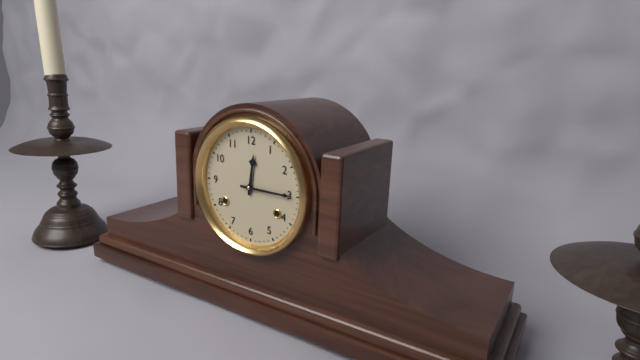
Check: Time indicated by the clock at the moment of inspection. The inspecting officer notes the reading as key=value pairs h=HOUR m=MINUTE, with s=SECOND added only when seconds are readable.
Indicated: h=12 m=15
